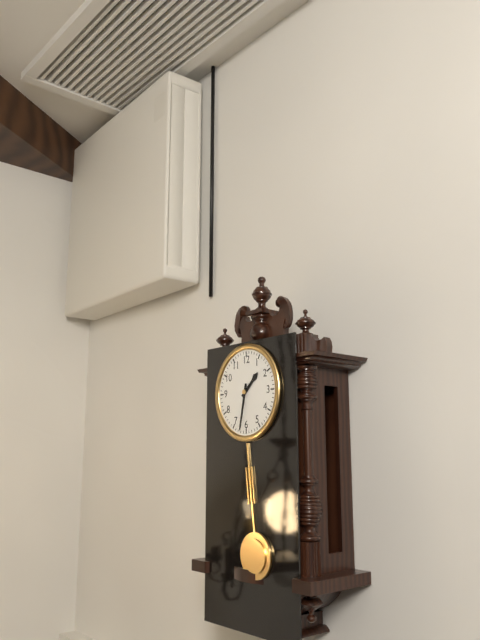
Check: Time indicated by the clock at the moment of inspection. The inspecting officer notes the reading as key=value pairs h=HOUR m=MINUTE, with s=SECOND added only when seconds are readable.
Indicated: h=1 m=32
